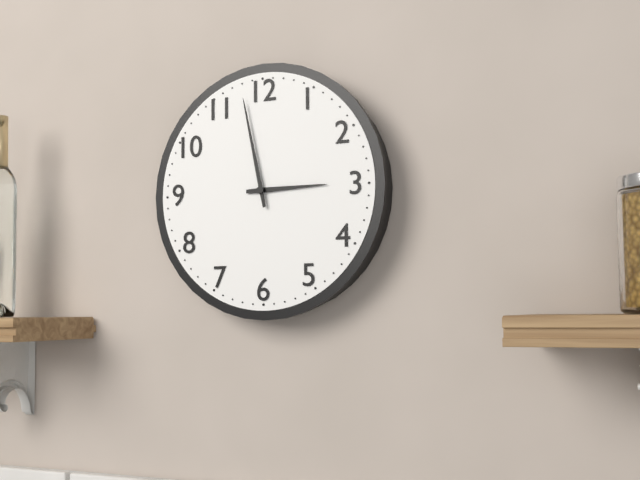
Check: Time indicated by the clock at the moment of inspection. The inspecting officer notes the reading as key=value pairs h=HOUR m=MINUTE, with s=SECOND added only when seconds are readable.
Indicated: h=2 m=58
